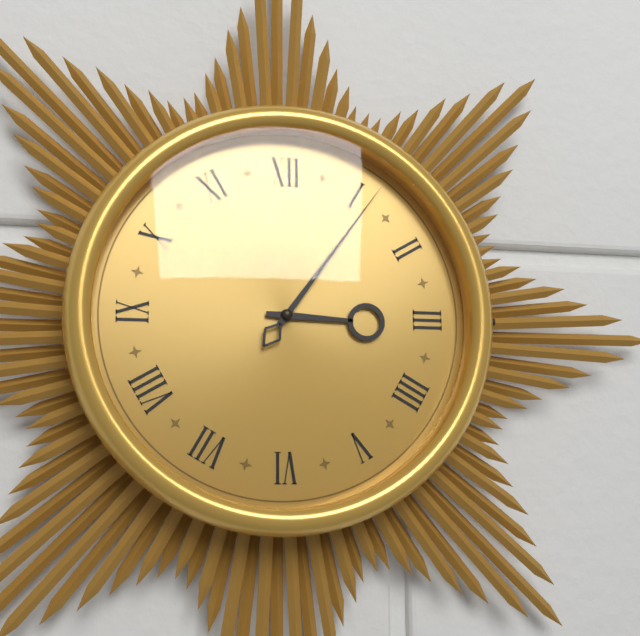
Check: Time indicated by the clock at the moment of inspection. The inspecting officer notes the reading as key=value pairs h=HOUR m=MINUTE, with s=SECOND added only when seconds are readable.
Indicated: h=3 m=6
